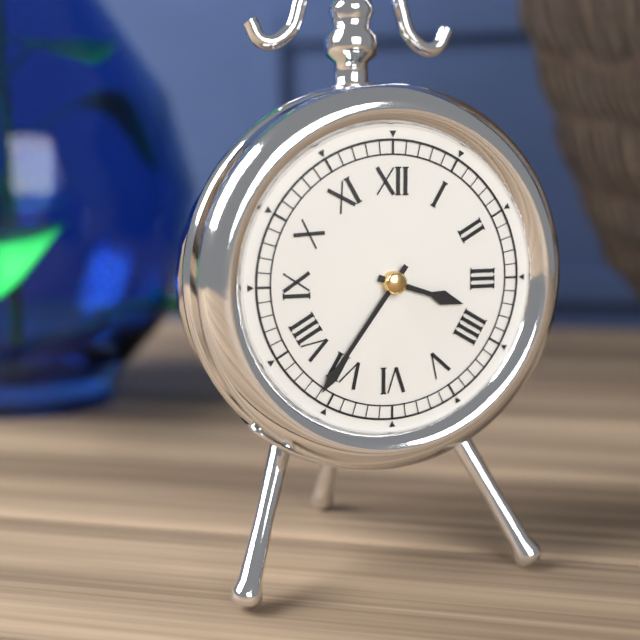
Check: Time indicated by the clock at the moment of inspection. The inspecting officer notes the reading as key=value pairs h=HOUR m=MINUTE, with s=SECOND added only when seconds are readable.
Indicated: h=3 m=36
